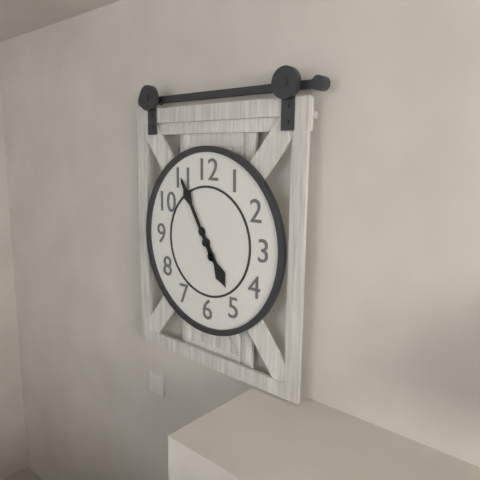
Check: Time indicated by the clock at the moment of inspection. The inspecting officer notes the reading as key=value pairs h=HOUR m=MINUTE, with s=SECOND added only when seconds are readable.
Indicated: h=4 m=55
